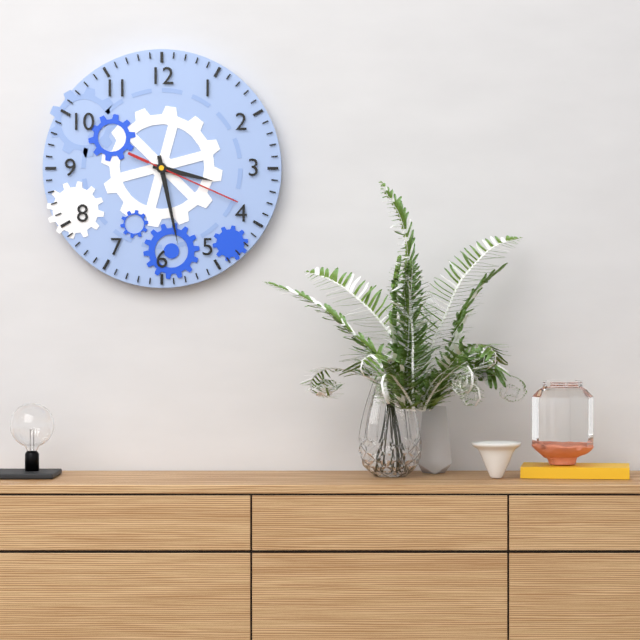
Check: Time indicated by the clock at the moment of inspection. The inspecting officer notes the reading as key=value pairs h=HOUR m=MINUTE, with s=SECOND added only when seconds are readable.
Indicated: h=3 m=28 s=19
